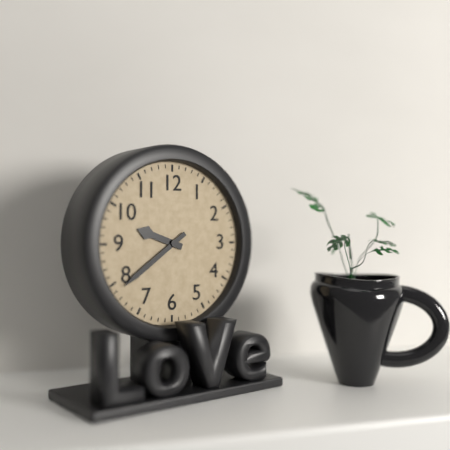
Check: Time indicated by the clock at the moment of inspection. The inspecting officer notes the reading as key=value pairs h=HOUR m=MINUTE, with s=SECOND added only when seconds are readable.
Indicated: h=9 m=39
